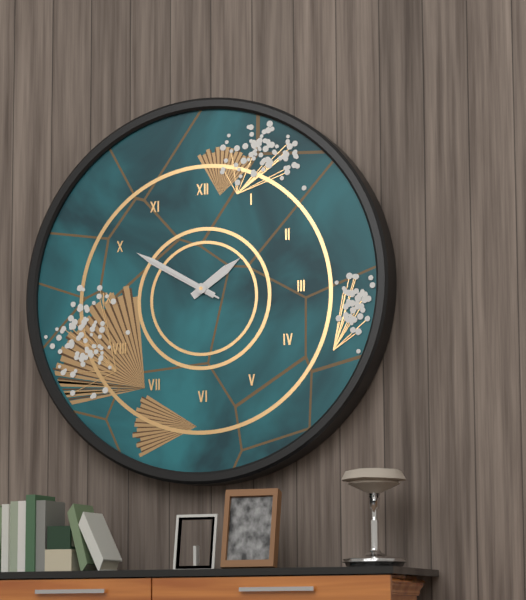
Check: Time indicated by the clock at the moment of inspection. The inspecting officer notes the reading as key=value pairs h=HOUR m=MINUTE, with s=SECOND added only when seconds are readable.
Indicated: h=1 m=50 s=50
